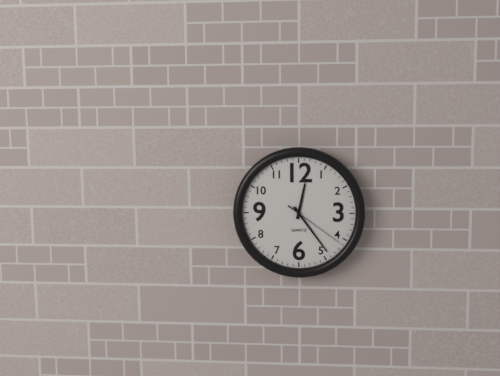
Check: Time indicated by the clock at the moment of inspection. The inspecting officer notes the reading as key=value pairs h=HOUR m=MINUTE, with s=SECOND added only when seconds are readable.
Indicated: h=12 m=24 s=21
